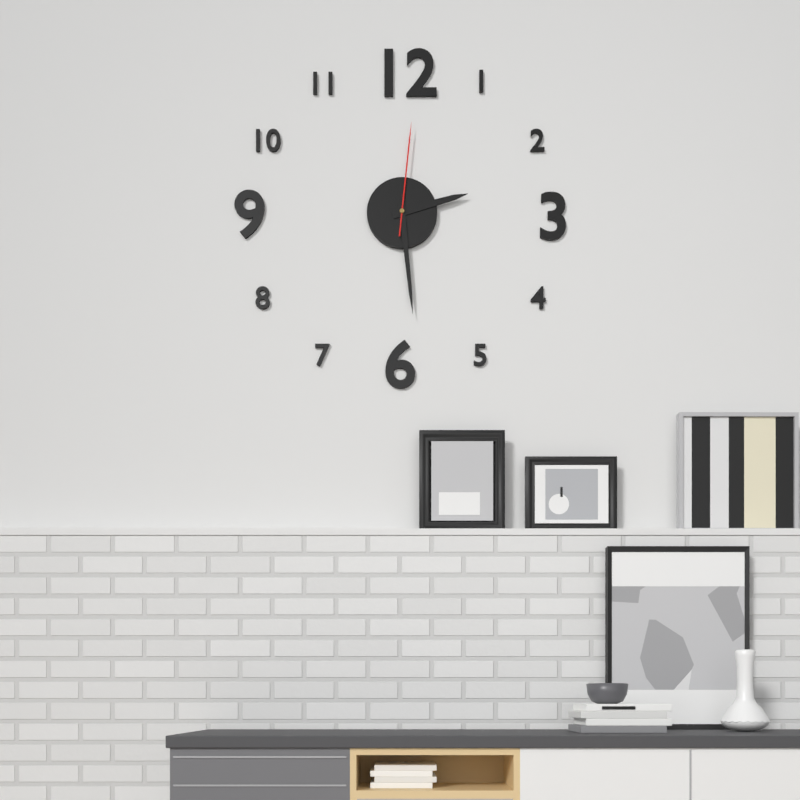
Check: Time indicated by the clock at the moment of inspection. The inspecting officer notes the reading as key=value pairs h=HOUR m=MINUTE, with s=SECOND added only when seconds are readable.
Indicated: h=2 m=29 s=1
